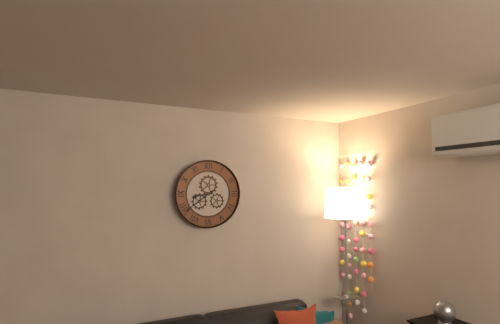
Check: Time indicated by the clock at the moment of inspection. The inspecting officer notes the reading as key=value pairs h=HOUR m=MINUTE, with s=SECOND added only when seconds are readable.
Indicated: h=8 m=39
